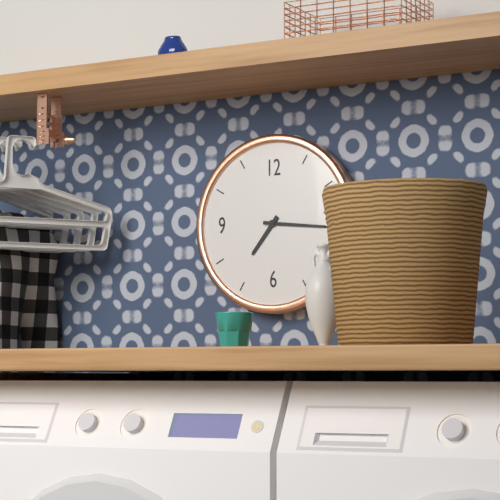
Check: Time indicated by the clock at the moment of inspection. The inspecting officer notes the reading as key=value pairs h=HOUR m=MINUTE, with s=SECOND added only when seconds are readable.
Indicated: h=7 m=16
